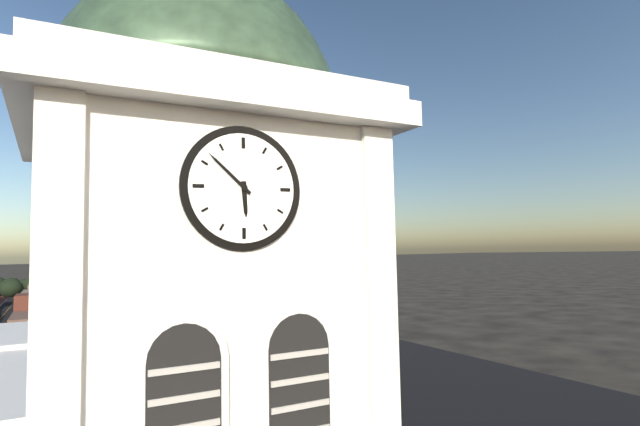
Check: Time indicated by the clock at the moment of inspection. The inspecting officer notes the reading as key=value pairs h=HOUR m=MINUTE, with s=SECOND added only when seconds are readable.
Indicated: h=5 m=52
